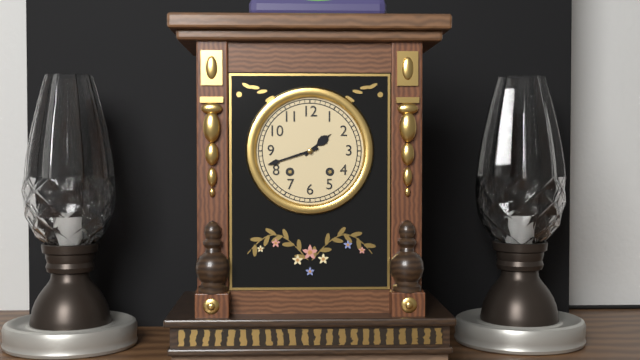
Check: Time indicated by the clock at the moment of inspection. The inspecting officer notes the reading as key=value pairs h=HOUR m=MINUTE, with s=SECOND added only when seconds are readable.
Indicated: h=1 m=42
